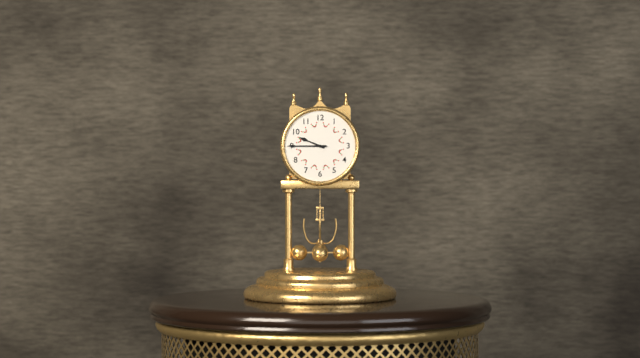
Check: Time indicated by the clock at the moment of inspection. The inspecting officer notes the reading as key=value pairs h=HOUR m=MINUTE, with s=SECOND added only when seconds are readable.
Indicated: h=9 m=45
